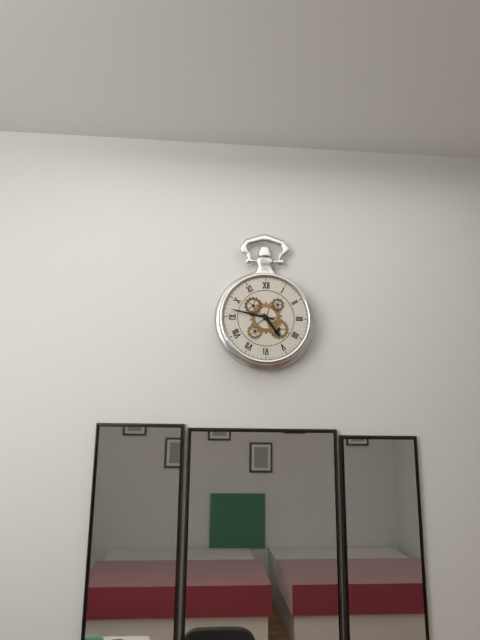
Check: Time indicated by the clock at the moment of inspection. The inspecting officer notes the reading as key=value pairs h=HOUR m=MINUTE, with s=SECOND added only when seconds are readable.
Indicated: h=4 m=47
